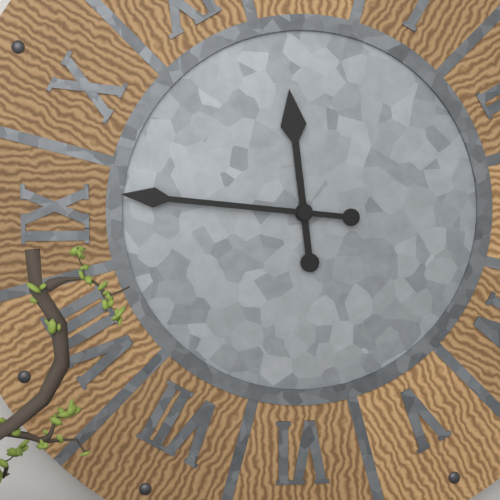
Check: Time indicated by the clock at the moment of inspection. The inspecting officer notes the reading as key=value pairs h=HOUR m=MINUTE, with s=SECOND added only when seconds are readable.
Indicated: h=11 m=46
